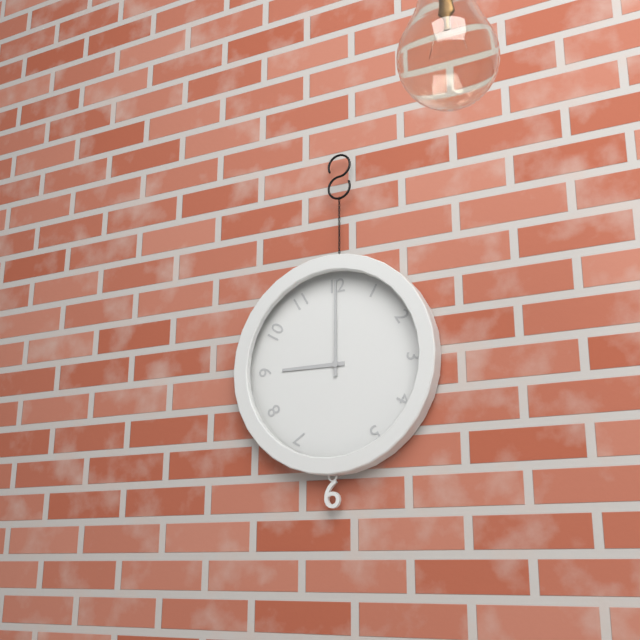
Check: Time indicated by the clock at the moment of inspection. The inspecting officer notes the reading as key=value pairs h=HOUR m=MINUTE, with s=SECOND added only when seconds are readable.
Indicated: h=9 m=0
